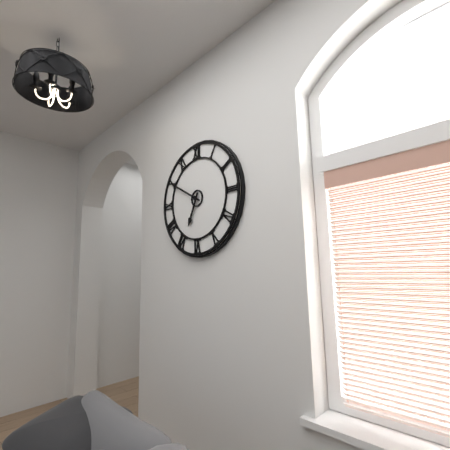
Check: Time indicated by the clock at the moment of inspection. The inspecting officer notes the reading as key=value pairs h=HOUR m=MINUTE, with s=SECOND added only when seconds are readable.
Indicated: h=6 m=50
